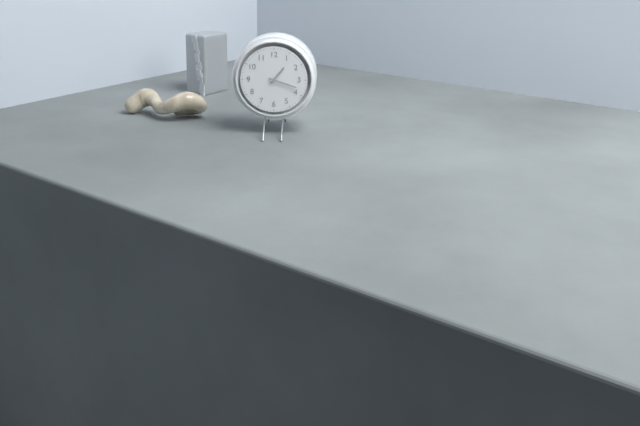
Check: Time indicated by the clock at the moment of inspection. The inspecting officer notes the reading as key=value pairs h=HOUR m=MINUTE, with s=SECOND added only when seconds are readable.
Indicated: h=1 m=18
